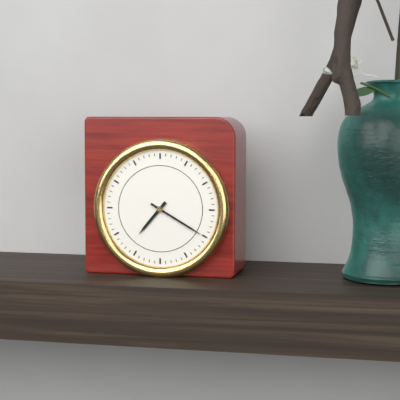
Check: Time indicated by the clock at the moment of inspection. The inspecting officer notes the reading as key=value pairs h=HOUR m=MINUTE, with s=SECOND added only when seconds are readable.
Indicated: h=7 m=20
